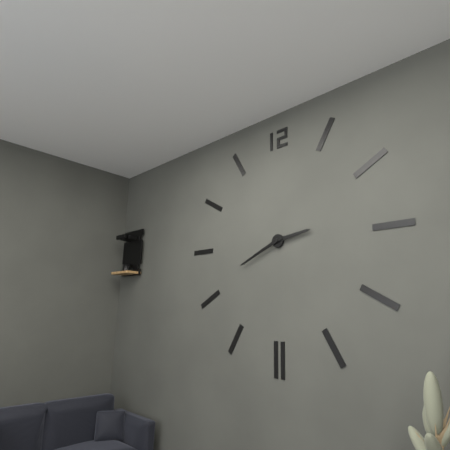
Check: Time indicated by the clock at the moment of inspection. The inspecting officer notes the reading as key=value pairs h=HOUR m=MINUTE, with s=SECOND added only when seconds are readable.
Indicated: h=2 m=41
